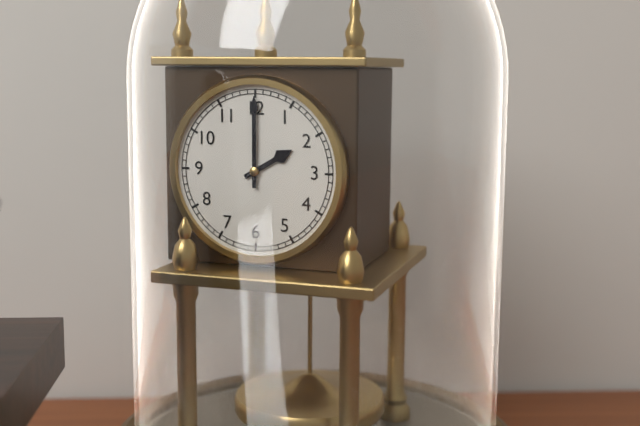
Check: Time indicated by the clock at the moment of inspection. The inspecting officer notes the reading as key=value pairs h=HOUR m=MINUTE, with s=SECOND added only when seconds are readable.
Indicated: h=2 m=0
